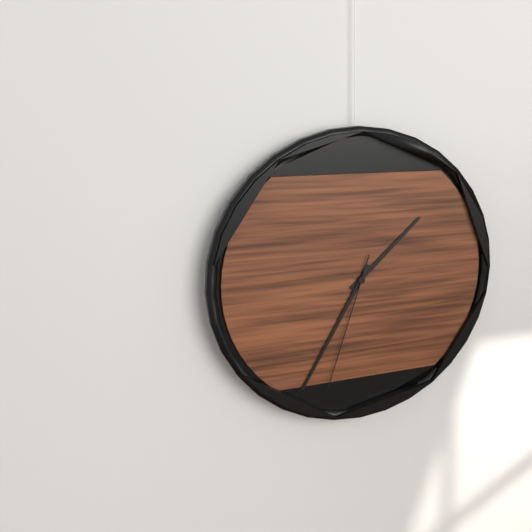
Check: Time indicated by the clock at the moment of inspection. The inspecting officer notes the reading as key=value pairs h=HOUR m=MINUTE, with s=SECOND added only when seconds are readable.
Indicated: h=1 m=35 s=33
